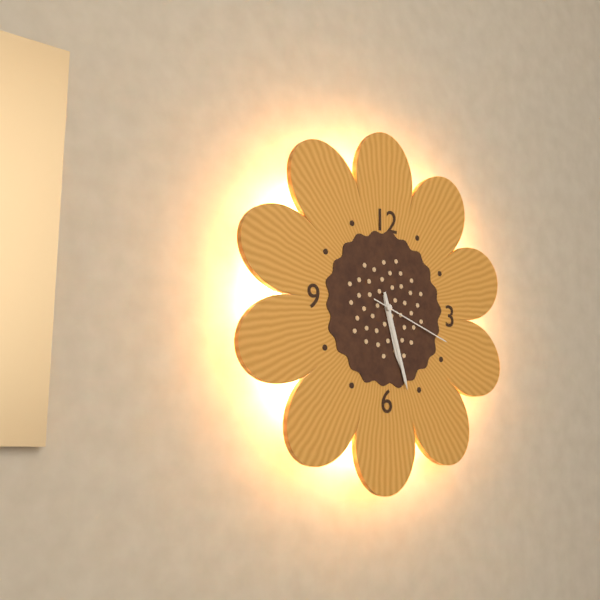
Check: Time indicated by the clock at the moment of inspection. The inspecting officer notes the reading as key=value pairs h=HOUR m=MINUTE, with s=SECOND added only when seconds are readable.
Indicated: h=5 m=27 s=18
